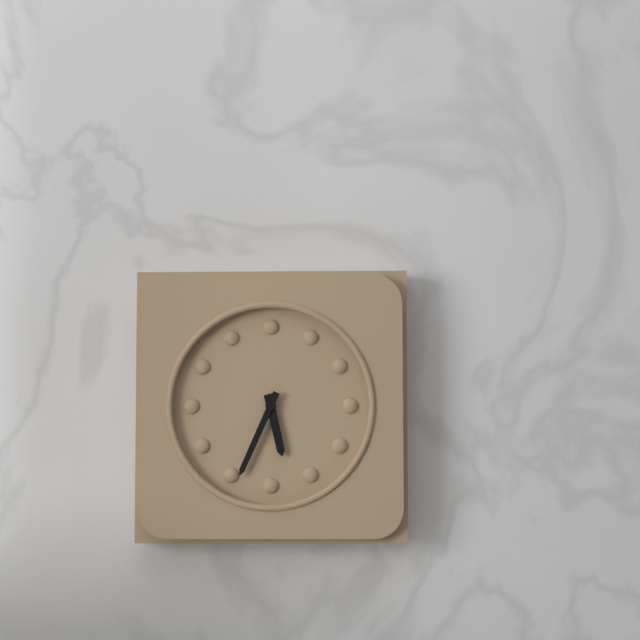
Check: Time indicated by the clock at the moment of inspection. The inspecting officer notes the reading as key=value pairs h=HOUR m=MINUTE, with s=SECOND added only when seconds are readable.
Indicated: h=5 m=34
